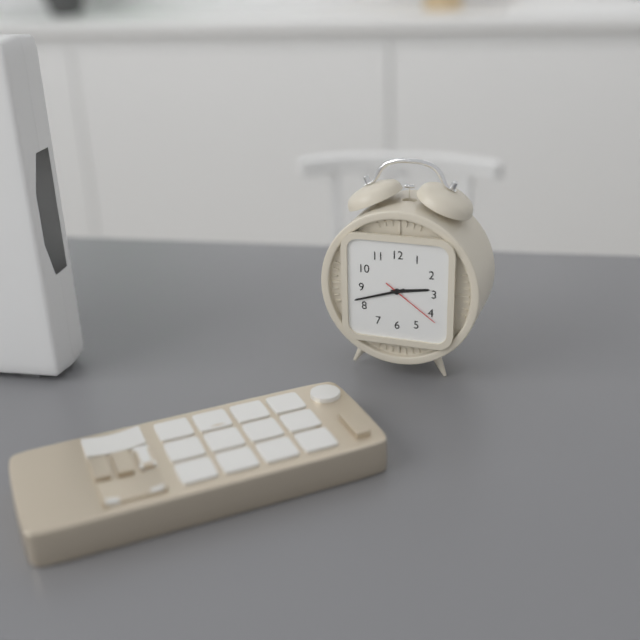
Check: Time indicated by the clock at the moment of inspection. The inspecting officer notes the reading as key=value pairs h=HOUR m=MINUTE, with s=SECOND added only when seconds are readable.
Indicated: h=2 m=42 s=21
